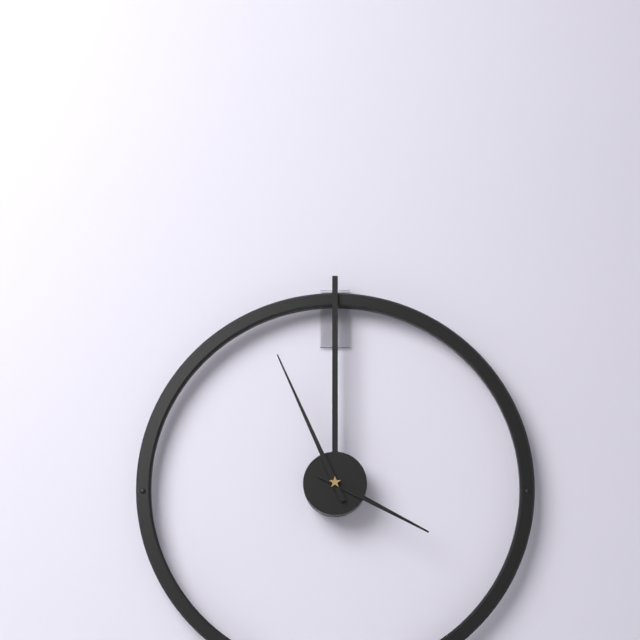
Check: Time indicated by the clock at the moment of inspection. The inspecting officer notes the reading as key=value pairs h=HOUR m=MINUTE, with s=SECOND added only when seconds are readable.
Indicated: h=3 m=56
